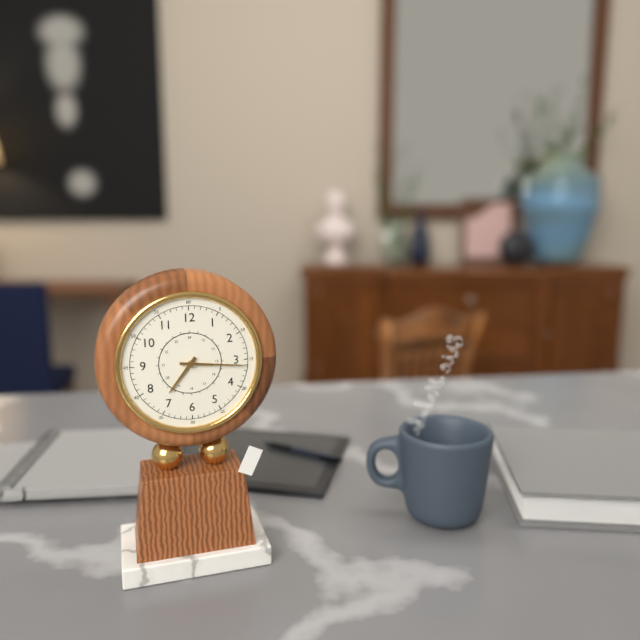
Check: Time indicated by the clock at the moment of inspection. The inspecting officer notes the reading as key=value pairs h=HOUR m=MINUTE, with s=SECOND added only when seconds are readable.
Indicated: h=7 m=16
